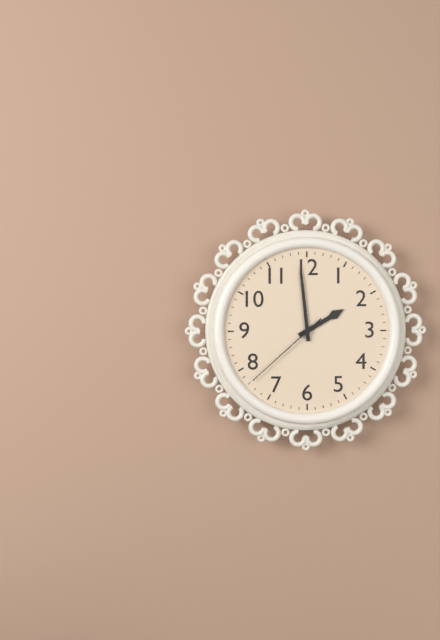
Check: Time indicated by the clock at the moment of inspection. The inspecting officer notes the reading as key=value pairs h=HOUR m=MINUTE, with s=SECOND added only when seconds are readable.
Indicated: h=1 m=59 s=38
